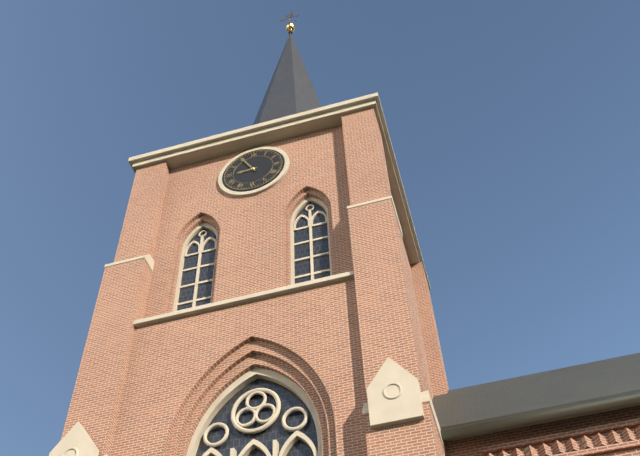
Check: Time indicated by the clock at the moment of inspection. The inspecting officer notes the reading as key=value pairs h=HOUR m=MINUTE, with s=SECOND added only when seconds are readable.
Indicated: h=8 m=55
